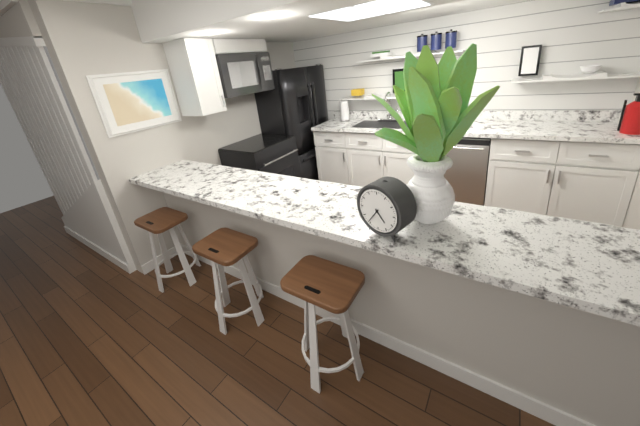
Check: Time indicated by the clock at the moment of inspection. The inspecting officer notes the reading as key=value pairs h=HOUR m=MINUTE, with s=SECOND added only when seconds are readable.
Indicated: h=4 m=36
